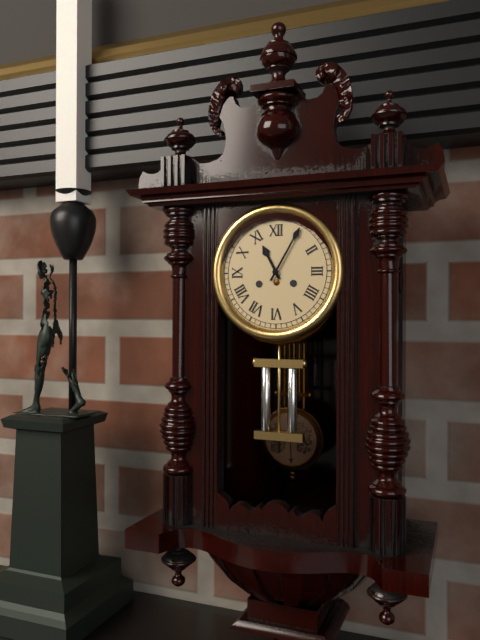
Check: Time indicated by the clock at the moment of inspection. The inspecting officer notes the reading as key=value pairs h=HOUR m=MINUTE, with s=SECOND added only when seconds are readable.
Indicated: h=11 m=5
